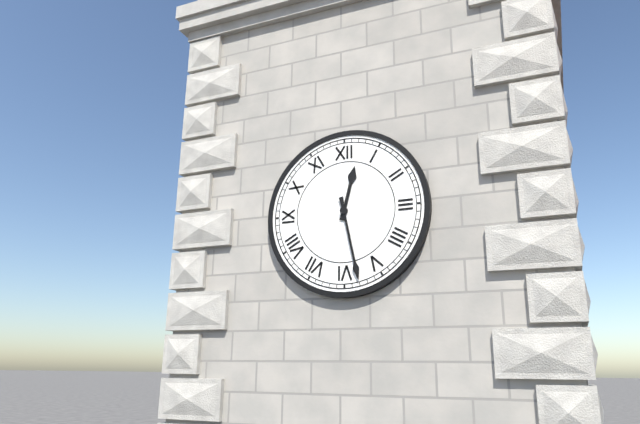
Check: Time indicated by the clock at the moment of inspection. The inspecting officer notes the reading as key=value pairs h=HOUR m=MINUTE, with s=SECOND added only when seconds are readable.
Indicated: h=12 m=28
